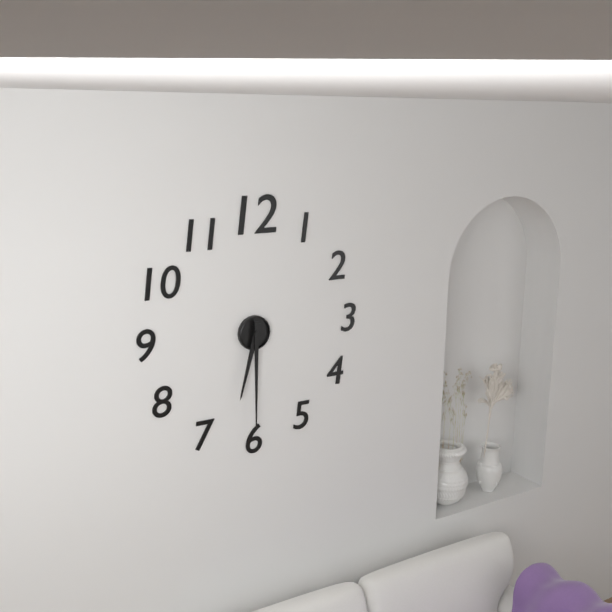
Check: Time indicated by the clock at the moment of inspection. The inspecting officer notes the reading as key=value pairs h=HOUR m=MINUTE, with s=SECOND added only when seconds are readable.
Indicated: h=6 m=30
